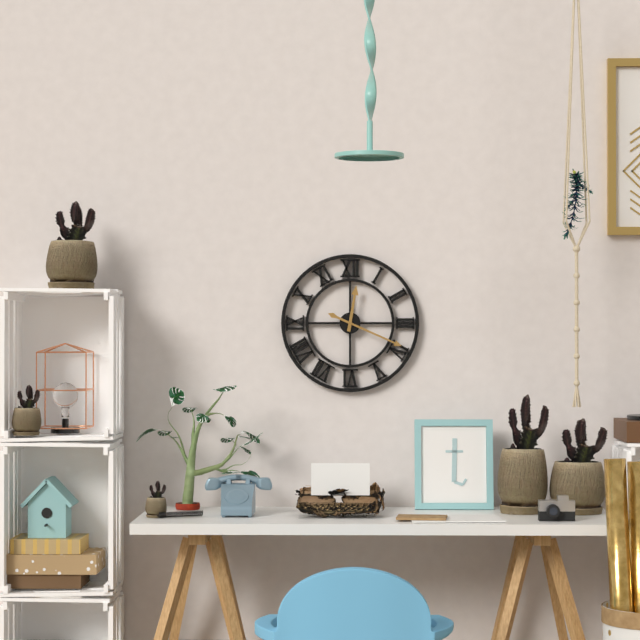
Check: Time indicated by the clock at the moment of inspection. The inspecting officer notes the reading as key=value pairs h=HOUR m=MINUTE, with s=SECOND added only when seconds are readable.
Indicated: h=12 m=19
